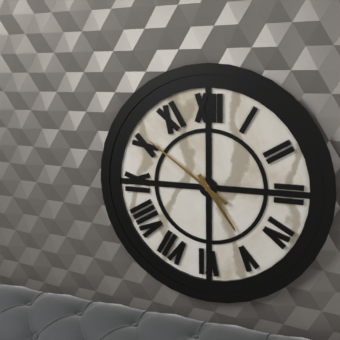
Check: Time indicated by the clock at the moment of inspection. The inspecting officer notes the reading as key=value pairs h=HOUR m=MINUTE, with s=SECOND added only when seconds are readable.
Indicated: h=4 m=51
